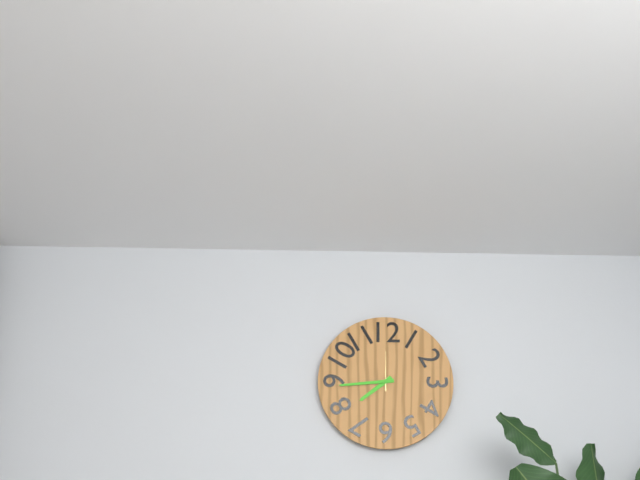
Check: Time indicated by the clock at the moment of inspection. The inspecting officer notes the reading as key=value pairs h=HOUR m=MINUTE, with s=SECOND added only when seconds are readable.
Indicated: h=7 m=44
